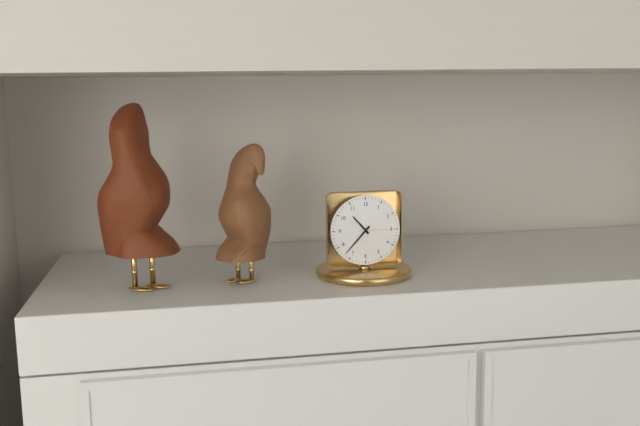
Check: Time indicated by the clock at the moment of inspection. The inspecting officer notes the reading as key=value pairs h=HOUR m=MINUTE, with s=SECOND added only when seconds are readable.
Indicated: h=10 m=37
